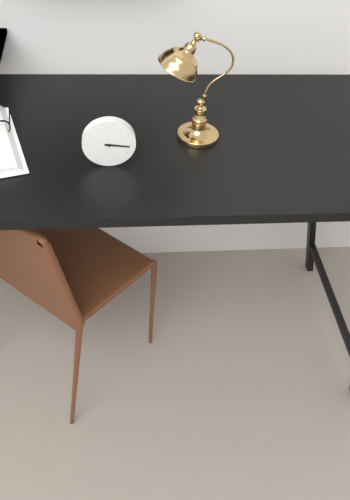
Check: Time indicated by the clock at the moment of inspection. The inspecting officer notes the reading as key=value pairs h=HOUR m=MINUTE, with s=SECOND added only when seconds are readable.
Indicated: h=3 m=16
